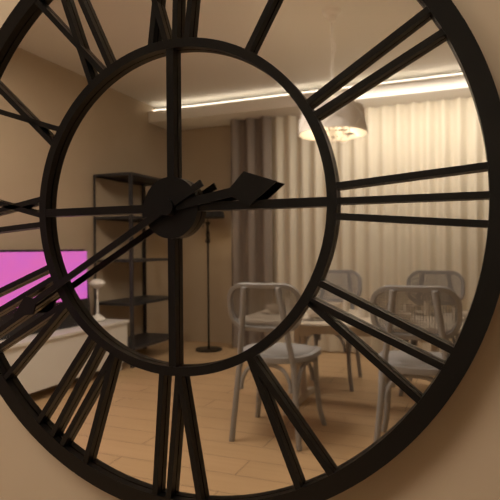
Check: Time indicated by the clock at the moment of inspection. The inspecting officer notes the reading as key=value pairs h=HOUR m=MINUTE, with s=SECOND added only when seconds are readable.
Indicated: h=2 m=40
